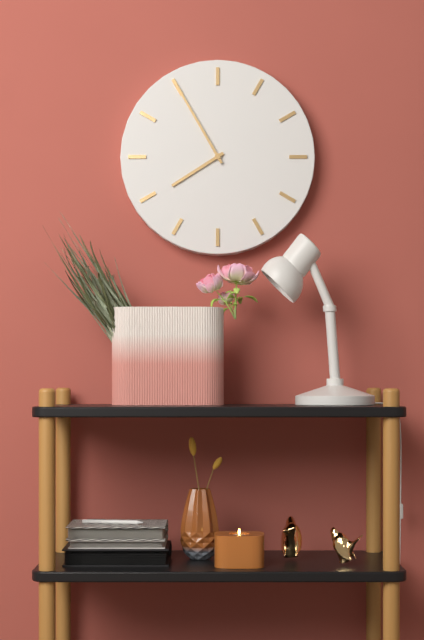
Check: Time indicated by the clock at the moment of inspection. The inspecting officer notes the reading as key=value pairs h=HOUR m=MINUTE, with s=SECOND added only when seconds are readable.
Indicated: h=7 m=55
